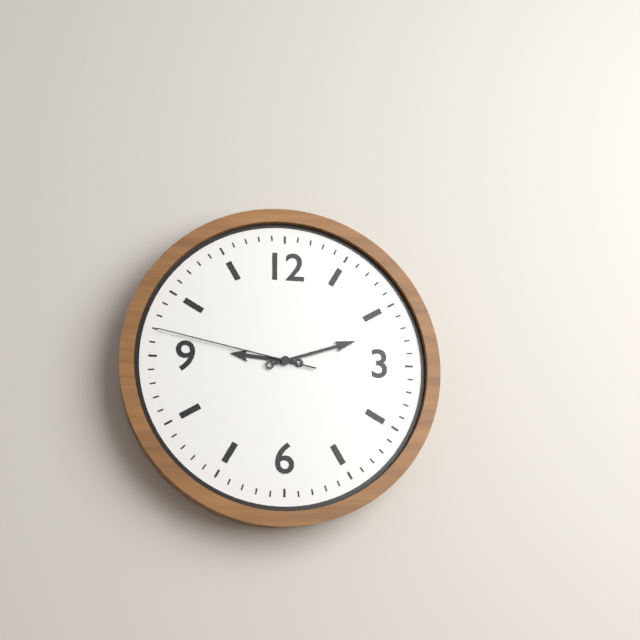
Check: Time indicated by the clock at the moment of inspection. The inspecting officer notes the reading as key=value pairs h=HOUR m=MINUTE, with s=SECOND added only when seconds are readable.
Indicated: h=9 m=12 s=47
